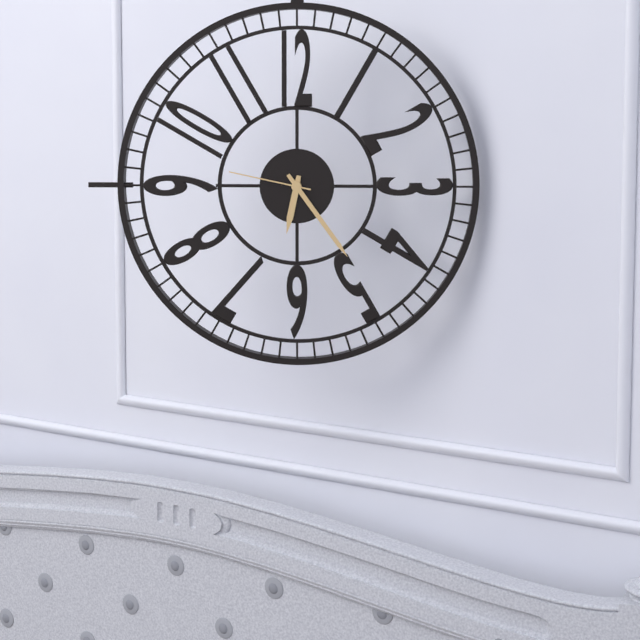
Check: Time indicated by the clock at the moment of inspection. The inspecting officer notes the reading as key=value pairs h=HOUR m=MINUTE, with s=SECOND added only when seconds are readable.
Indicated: h=6 m=24 s=47
